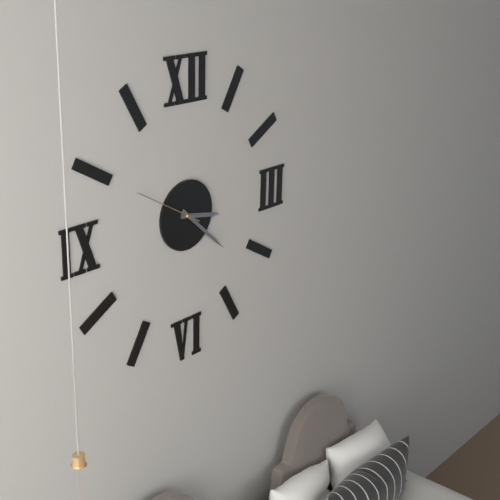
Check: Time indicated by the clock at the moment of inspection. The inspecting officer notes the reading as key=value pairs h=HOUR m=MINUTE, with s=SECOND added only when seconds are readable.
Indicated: h=3 m=22 s=50
